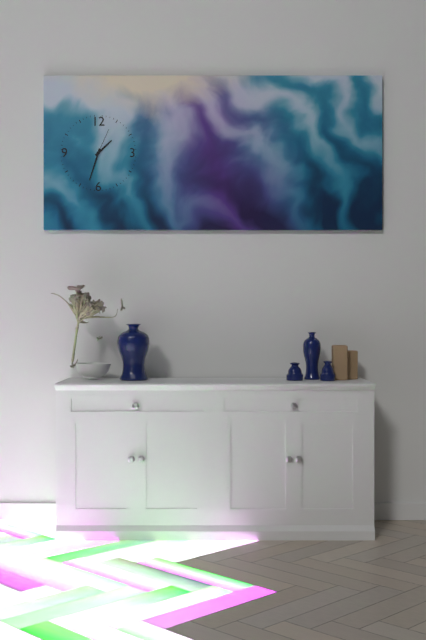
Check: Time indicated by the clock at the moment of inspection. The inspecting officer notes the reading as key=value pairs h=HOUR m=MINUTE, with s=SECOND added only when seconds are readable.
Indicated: h=1 m=33
